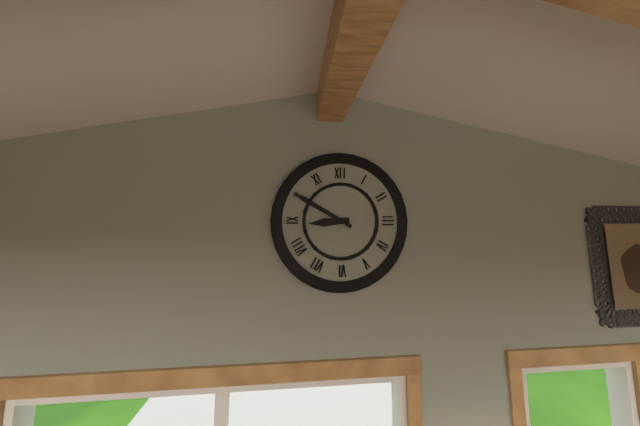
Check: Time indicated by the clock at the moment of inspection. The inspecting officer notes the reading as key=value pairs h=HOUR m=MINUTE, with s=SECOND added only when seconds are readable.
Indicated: h=8 m=50
